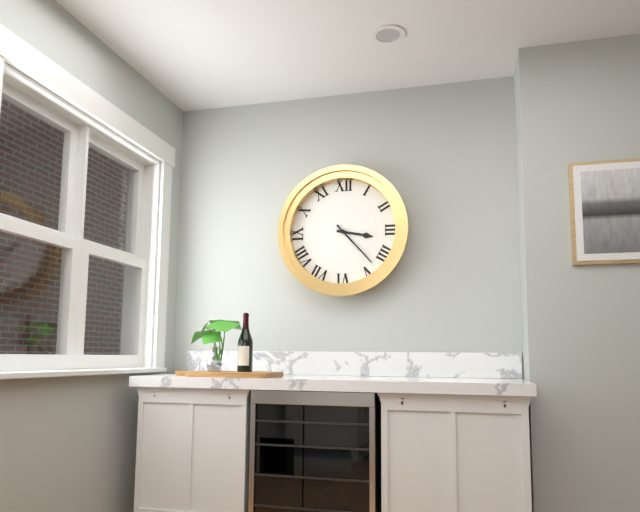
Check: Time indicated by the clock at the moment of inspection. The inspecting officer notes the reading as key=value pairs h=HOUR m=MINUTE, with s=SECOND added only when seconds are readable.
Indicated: h=3 m=23
